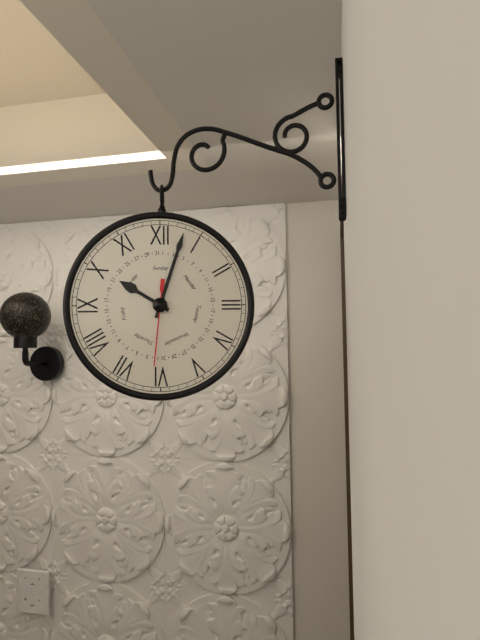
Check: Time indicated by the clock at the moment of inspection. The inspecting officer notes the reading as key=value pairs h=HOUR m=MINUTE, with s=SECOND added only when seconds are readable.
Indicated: h=10 m=3 s=31
